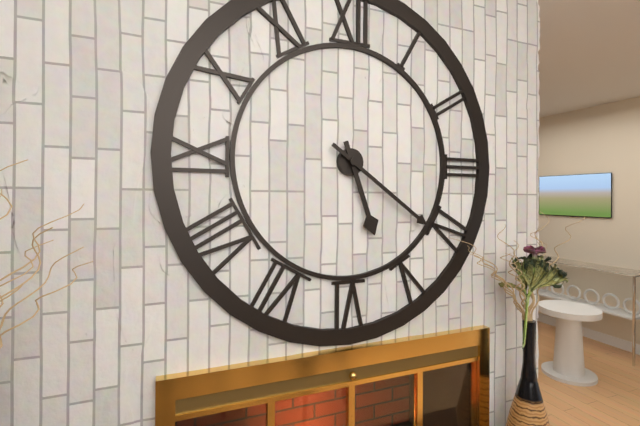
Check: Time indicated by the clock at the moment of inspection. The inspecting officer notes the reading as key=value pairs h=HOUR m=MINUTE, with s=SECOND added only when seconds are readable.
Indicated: h=5 m=21
